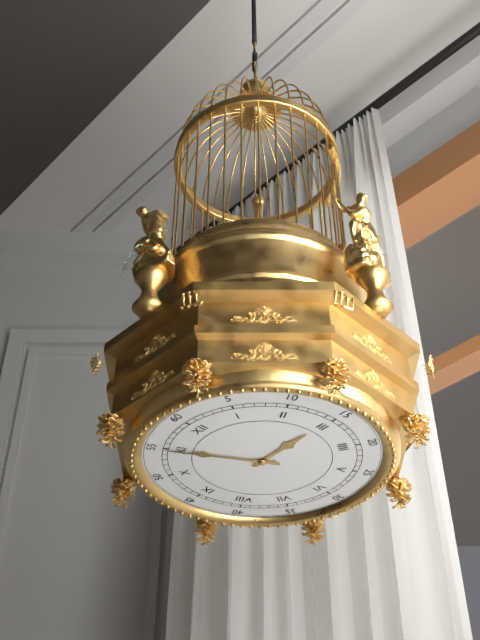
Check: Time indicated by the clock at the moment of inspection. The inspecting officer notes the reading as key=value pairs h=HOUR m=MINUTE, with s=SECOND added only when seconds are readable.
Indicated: h=2 m=55
